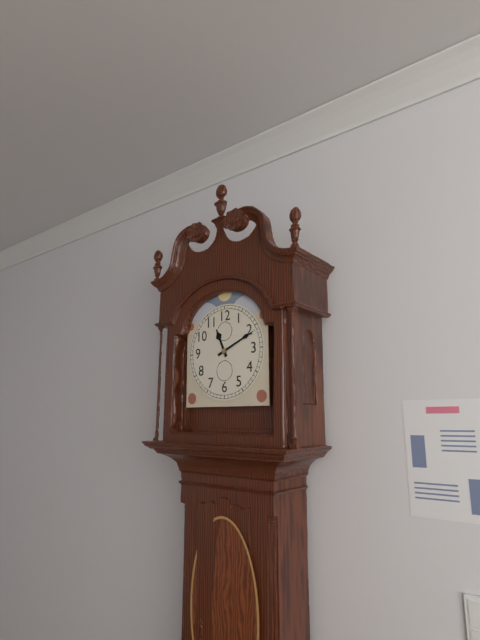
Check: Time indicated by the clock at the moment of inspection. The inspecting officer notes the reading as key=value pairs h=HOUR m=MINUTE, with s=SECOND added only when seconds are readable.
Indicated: h=11 m=11
